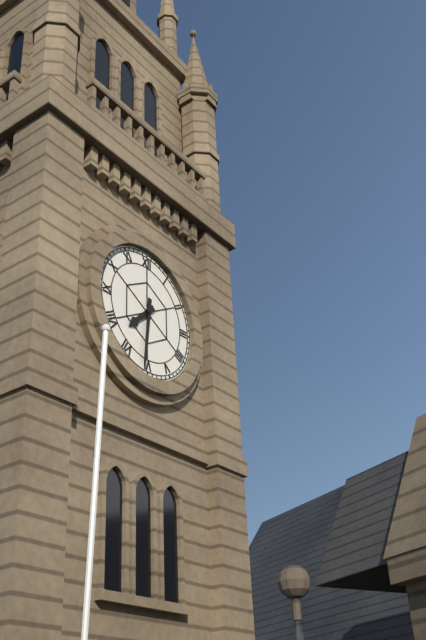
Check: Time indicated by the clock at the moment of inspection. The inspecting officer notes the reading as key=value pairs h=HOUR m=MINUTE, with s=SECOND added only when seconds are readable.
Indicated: h=7 m=31
